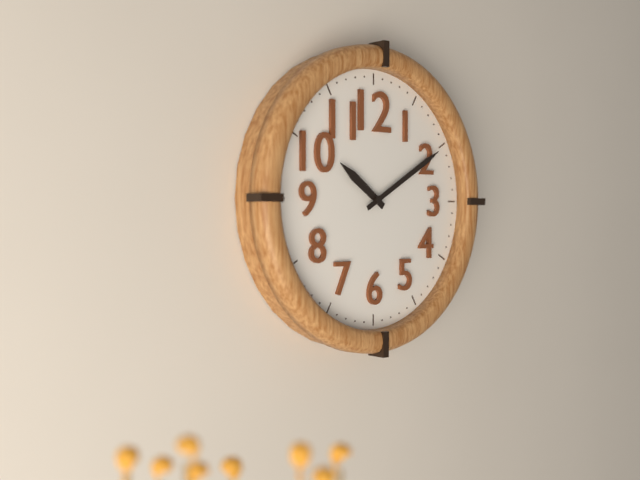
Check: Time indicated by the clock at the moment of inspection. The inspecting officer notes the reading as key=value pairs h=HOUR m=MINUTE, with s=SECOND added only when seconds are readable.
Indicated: h=10 m=10
